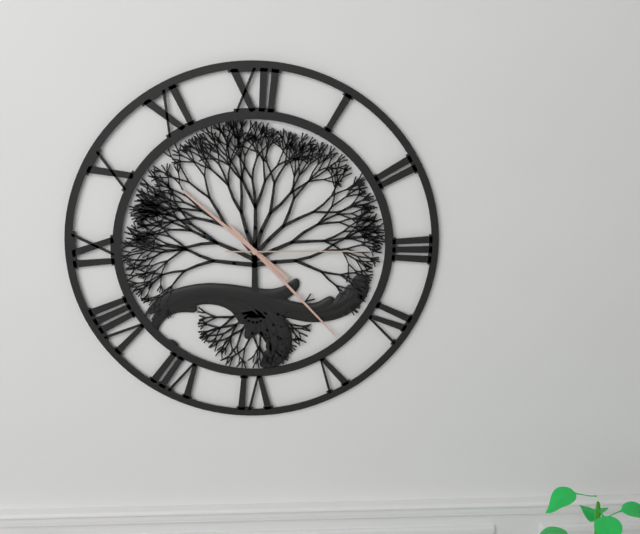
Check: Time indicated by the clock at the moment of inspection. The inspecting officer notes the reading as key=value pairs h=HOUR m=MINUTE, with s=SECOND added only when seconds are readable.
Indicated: h=10 m=23 s=15
